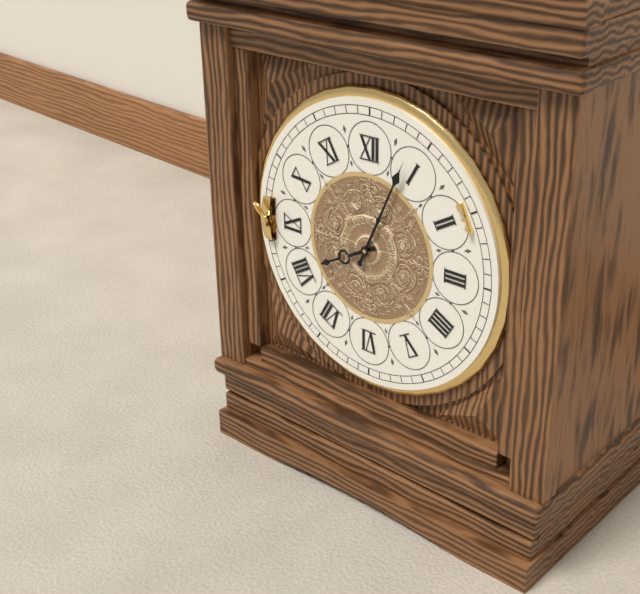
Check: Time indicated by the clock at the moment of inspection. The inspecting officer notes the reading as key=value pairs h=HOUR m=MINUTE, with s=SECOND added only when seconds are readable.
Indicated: h=8 m=4
